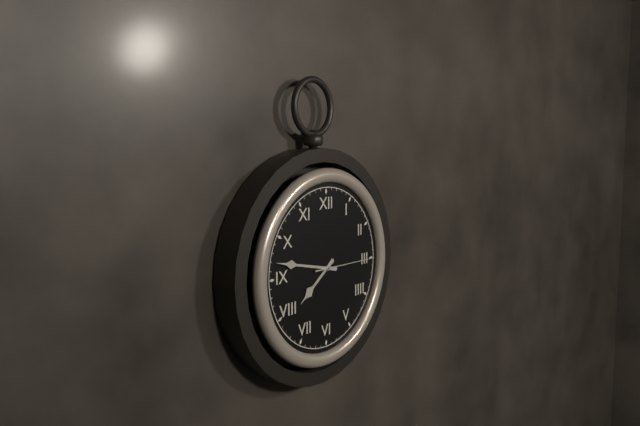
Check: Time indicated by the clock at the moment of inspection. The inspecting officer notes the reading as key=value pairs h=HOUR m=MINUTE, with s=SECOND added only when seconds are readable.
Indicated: h=7 m=47 s=15
